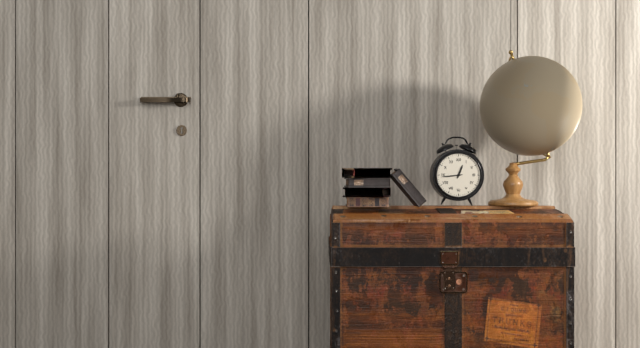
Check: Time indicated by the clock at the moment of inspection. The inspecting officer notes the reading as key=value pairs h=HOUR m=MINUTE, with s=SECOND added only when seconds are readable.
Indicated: h=12 m=44
